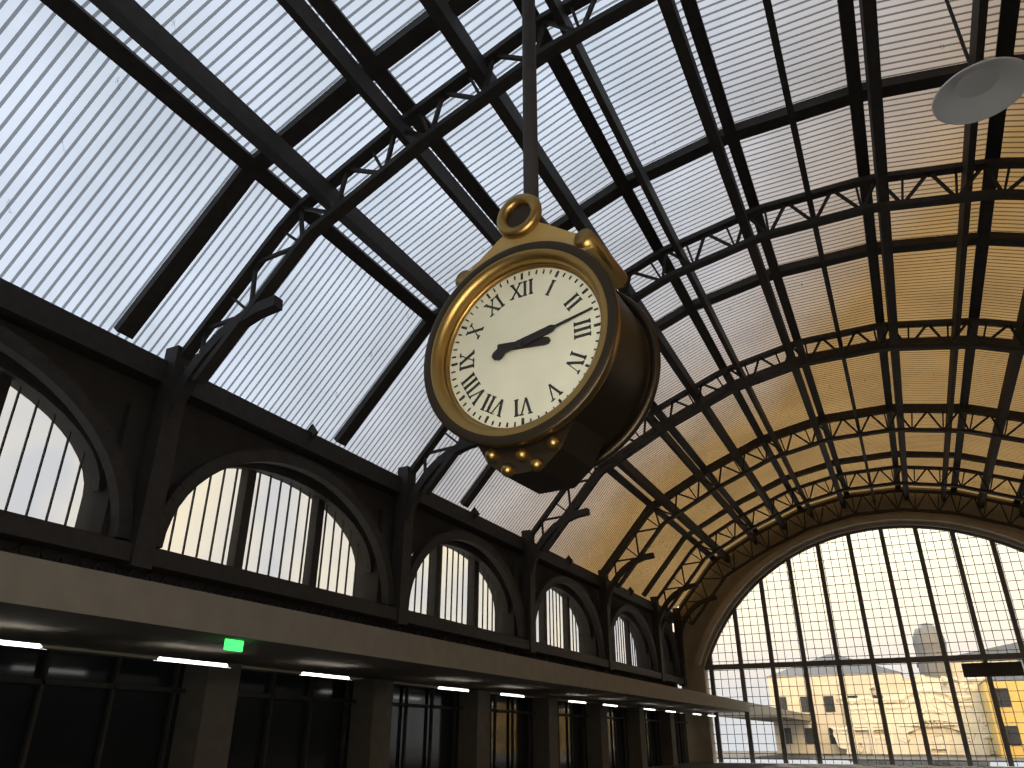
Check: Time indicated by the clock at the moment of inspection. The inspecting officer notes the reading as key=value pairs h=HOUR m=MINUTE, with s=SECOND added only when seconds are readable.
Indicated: h=3 m=13
